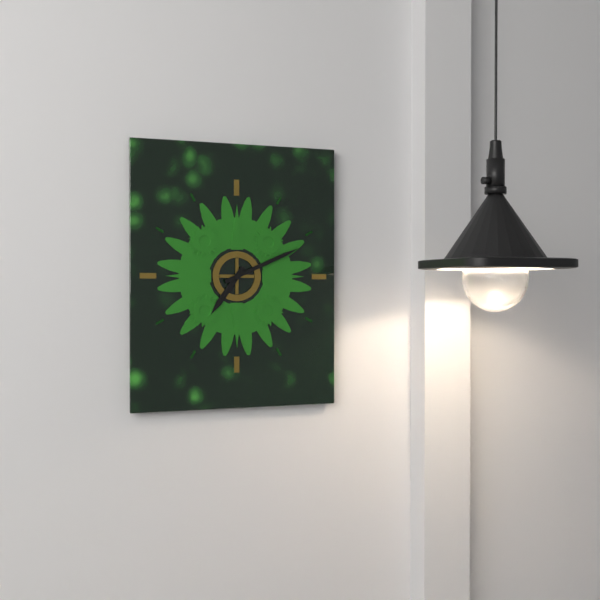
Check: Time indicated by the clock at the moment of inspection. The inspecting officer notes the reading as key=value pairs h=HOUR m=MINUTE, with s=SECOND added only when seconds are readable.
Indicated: h=7 m=11
